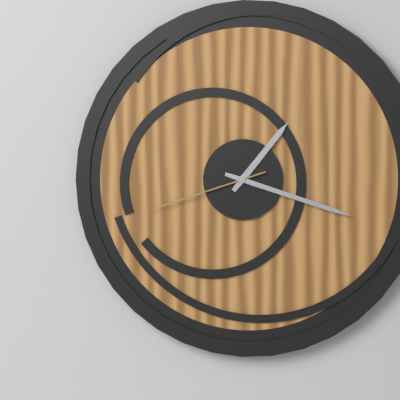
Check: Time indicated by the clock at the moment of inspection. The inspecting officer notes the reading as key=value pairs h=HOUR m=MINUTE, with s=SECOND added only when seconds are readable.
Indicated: h=1 m=18 s=42
